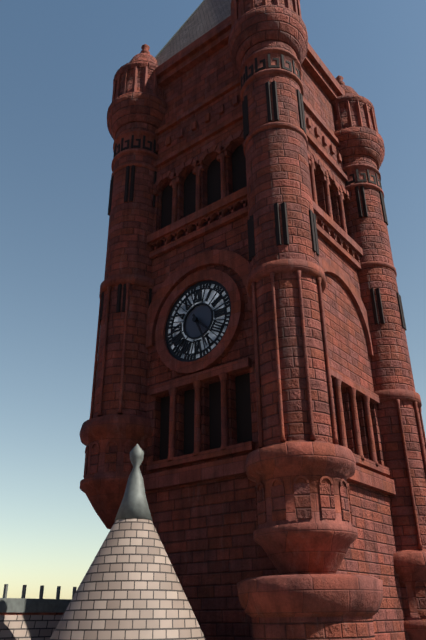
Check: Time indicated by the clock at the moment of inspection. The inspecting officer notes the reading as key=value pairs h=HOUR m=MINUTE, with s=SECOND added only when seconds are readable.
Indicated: h=4 m=26
